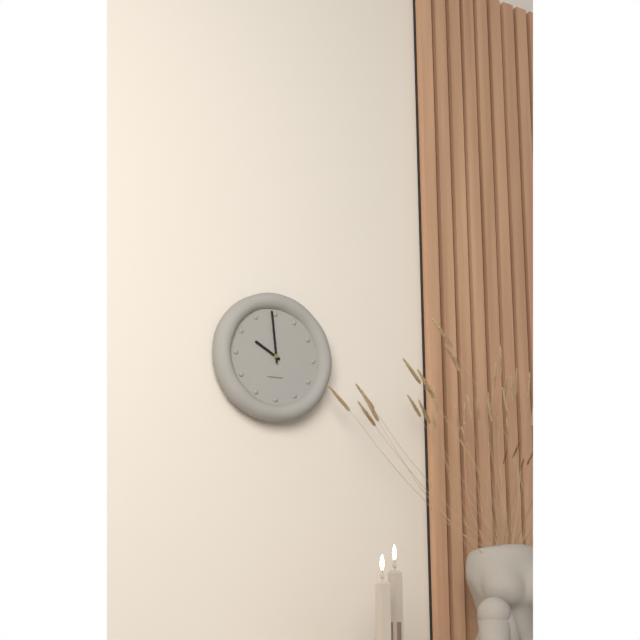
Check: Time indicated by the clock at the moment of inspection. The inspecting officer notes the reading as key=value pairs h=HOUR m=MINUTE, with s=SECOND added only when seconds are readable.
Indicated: h=9 m=59
